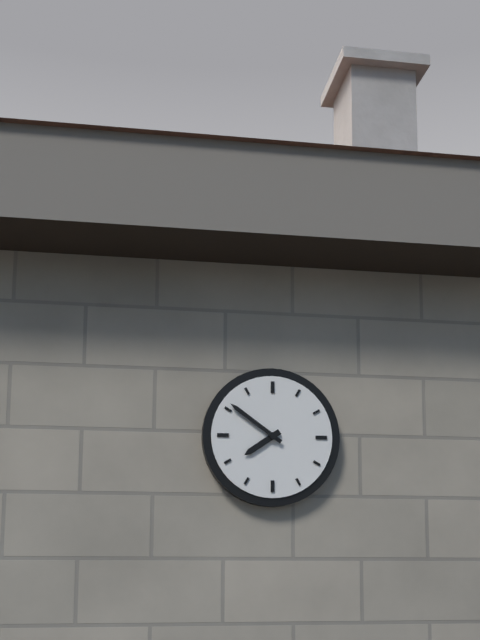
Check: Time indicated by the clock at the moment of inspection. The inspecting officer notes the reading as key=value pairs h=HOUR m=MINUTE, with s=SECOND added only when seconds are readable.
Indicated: h=7 m=51
